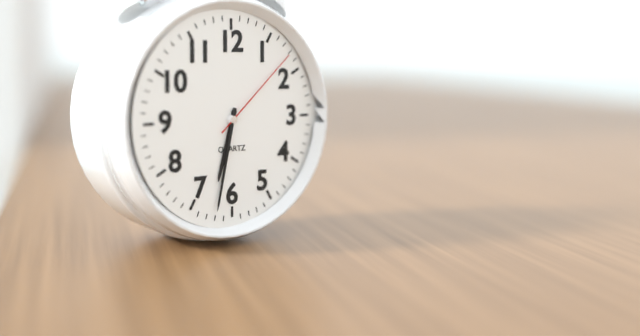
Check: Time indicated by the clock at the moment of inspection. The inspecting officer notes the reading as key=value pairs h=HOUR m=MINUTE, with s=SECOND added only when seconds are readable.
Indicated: h=6 m=32 s=8
